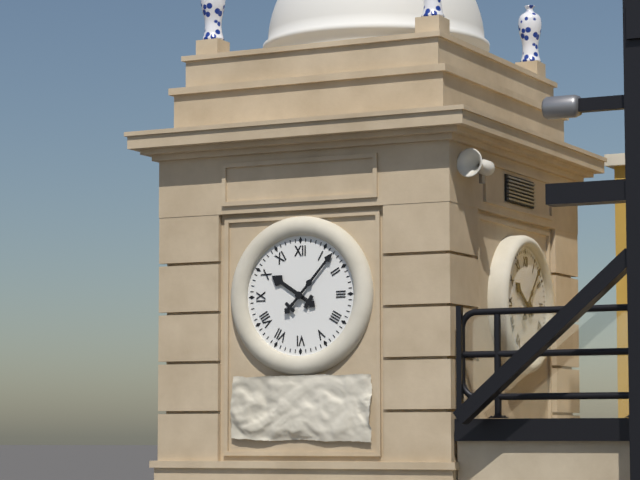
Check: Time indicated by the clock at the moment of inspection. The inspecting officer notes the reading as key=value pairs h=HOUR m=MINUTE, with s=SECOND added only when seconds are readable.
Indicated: h=10 m=7
